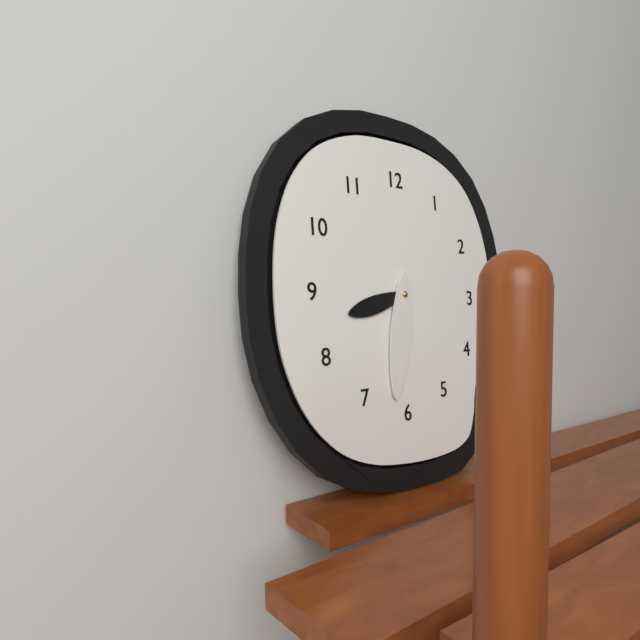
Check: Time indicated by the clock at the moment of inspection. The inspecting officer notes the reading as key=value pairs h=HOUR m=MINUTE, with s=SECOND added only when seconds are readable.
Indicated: h=8 m=32
